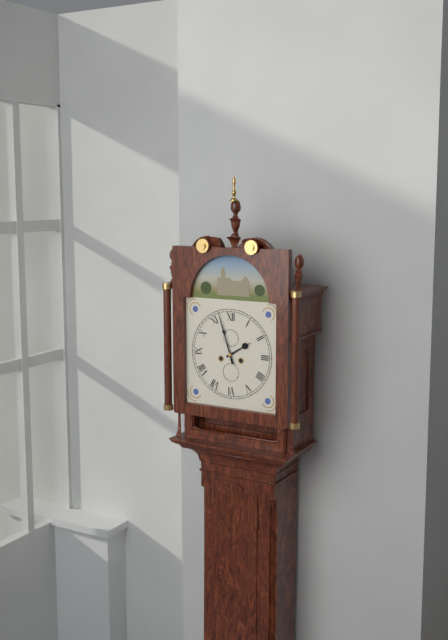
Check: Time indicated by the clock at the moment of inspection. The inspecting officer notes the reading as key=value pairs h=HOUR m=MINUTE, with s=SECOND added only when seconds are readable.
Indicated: h=1 m=57
